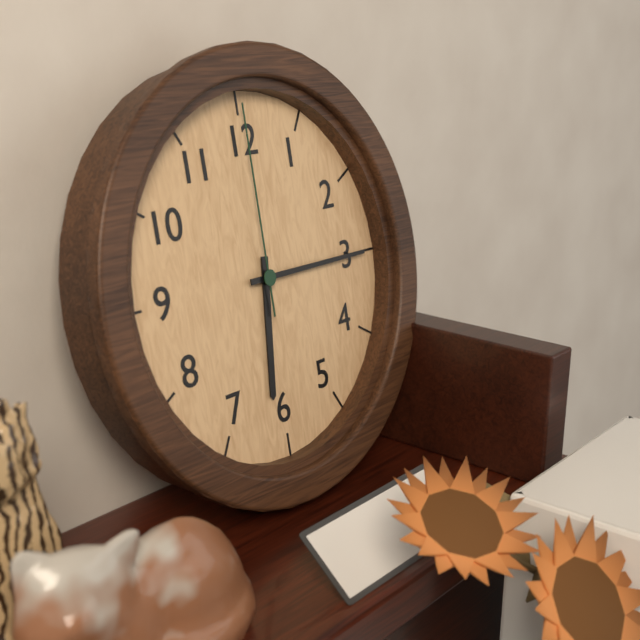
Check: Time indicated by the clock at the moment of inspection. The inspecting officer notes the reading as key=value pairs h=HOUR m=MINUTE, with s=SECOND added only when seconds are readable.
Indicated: h=6 m=15 s=0
